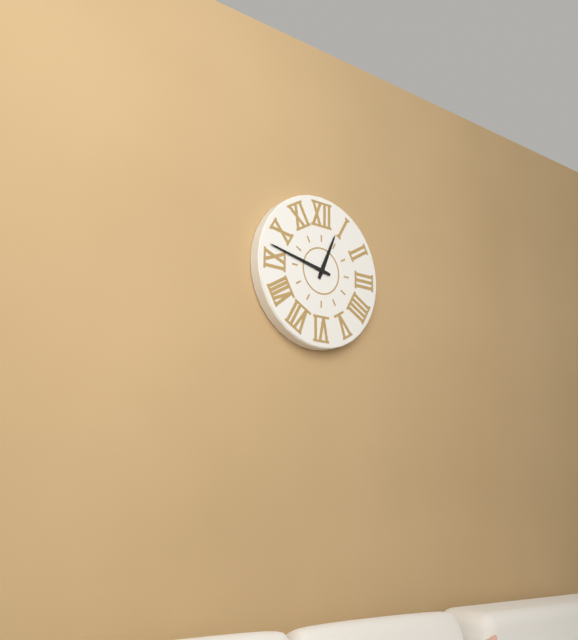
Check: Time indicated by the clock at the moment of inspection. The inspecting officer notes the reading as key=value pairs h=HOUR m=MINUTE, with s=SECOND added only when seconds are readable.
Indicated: h=12 m=47
